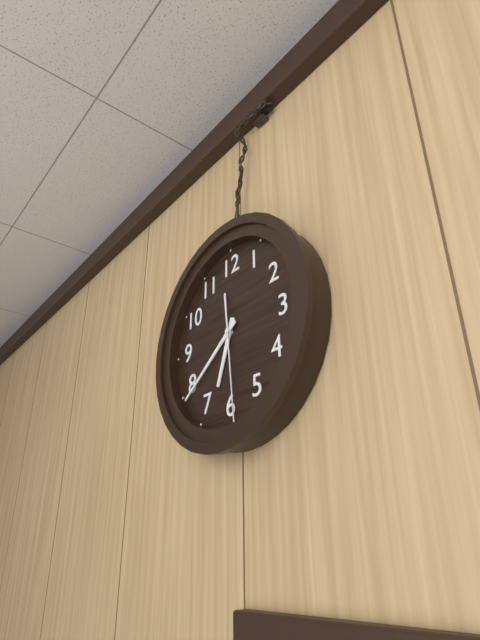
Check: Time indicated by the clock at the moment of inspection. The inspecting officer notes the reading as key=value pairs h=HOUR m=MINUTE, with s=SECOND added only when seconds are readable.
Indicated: h=6 m=39 s=29
